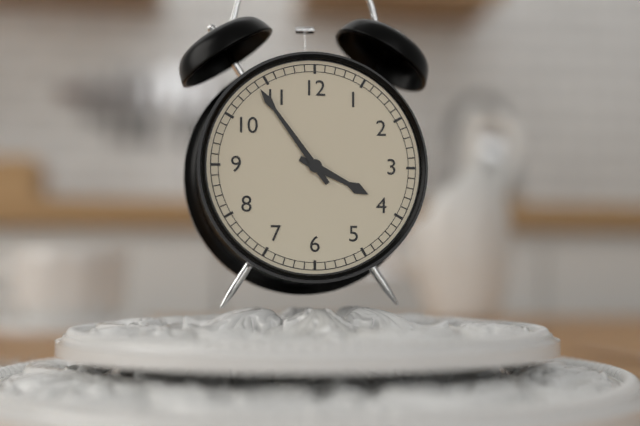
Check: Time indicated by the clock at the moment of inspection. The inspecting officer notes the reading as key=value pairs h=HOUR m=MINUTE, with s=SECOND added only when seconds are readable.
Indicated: h=3 m=54
